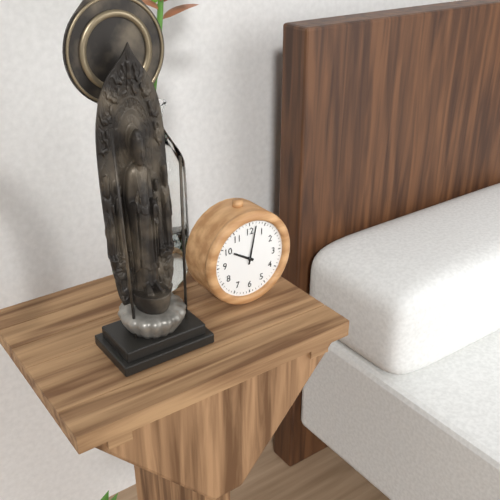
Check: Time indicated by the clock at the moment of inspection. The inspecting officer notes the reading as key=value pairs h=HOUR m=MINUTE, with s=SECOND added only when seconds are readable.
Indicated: h=10 m=2
